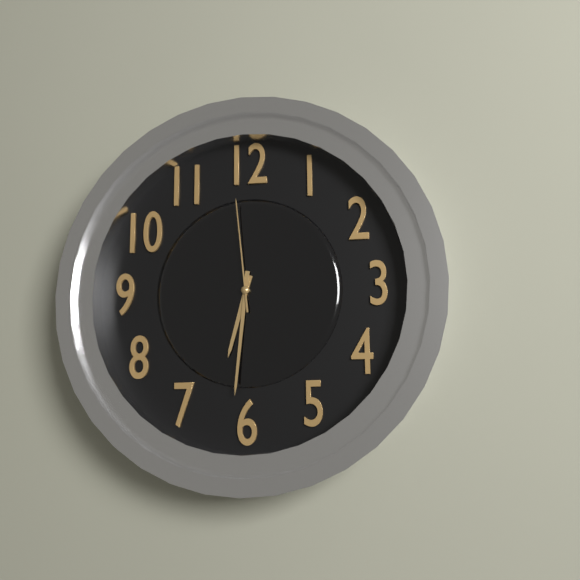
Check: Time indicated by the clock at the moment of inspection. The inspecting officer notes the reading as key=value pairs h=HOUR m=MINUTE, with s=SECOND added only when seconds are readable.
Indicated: h=6 m=31 s=59
